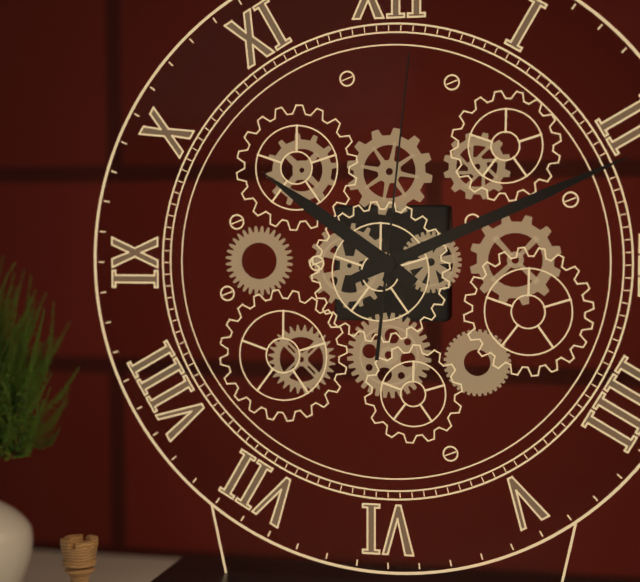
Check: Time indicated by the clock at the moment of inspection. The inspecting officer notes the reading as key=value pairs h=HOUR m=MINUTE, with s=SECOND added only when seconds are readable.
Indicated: h=10 m=11 s=1
